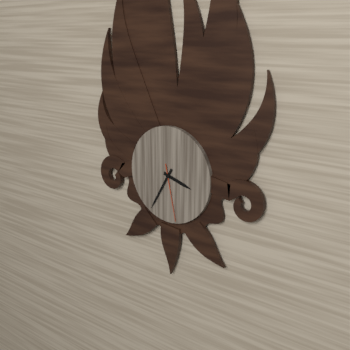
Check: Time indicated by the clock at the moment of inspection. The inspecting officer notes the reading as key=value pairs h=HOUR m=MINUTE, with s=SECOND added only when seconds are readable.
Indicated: h=3 m=35 s=28
